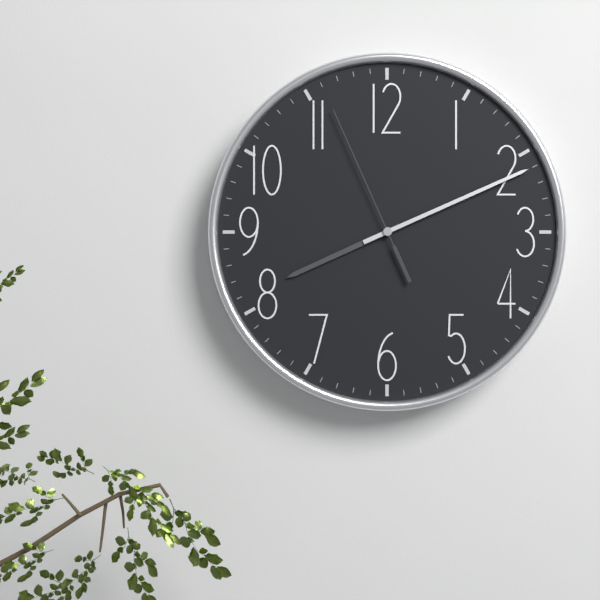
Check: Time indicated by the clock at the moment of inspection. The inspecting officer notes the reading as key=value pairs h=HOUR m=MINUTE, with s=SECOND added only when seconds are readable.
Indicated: h=8 m=11 s=56
